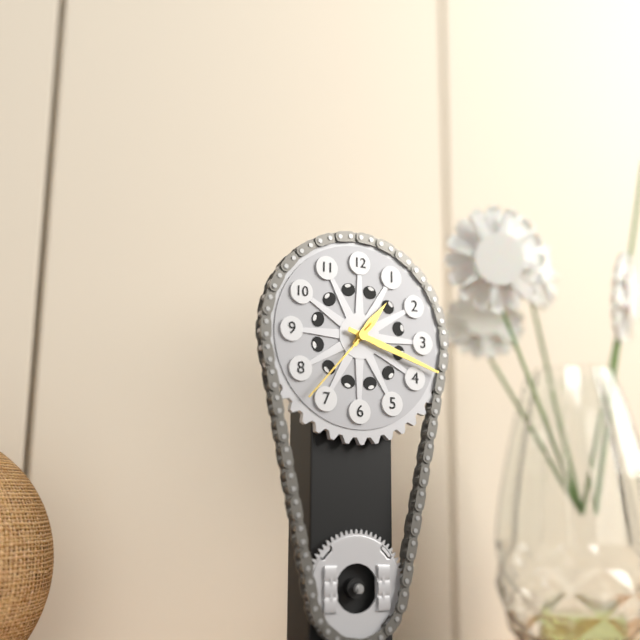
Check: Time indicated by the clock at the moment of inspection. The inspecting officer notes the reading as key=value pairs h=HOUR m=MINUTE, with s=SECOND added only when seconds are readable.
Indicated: h=1 m=18 s=37
